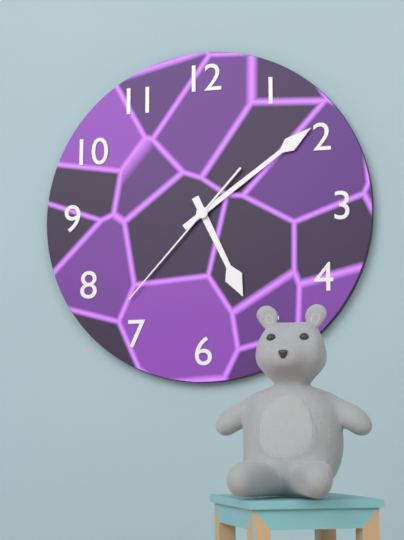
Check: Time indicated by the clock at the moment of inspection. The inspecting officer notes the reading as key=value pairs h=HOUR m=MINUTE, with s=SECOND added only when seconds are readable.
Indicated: h=5 m=9 s=37
